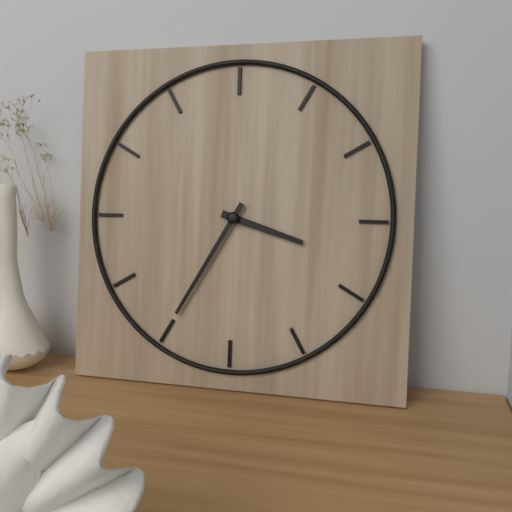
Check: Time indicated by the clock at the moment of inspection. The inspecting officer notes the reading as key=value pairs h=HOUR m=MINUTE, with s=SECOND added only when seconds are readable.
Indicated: h=3 m=35
